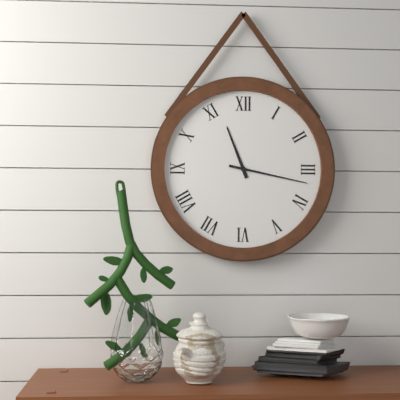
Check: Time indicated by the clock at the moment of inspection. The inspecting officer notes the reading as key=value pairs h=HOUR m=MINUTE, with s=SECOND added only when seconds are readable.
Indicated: h=11 m=17
